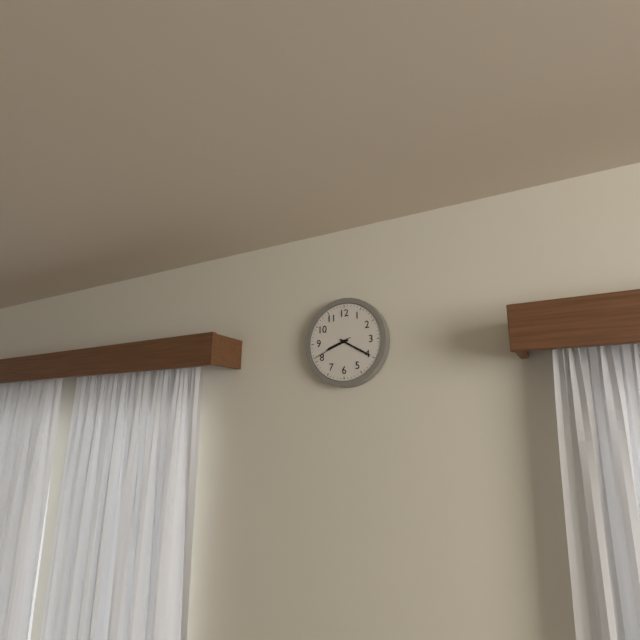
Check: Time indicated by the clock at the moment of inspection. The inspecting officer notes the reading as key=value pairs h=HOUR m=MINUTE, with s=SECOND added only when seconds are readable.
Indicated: h=8 m=20
